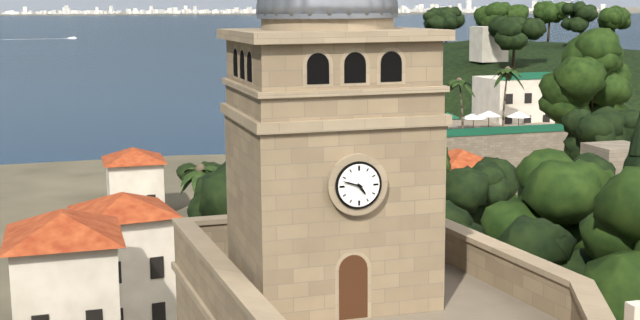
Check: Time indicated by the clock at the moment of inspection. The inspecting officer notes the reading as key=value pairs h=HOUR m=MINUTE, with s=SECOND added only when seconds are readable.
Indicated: h=4 m=48
